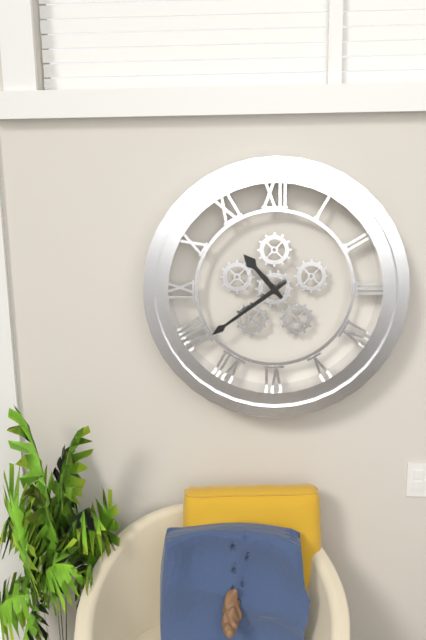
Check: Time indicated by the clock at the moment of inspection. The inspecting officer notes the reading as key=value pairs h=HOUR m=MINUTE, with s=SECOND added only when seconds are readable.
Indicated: h=10 m=39
